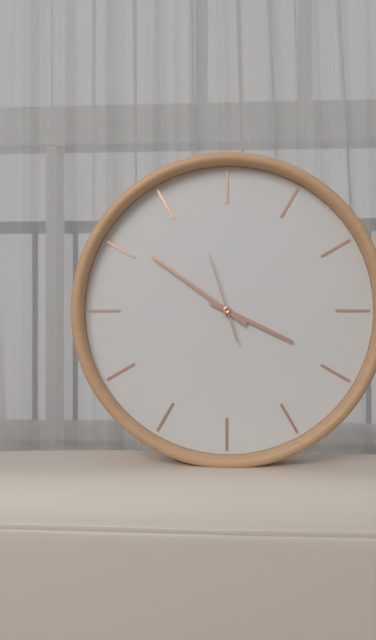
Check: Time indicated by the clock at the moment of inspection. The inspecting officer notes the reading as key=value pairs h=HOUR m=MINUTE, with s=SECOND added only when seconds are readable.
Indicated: h=3 m=51 s=57
